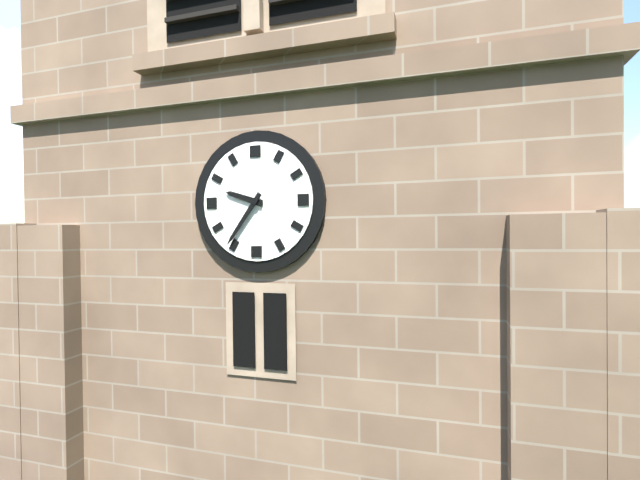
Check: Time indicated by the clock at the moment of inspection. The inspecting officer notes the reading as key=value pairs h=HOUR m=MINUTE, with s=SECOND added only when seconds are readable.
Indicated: h=9 m=36
